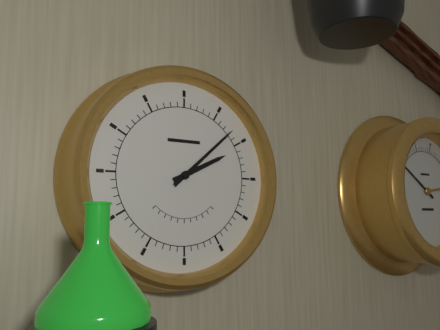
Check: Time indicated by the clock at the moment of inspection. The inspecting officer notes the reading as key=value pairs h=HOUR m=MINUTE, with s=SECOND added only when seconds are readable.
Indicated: h=2 m=8
